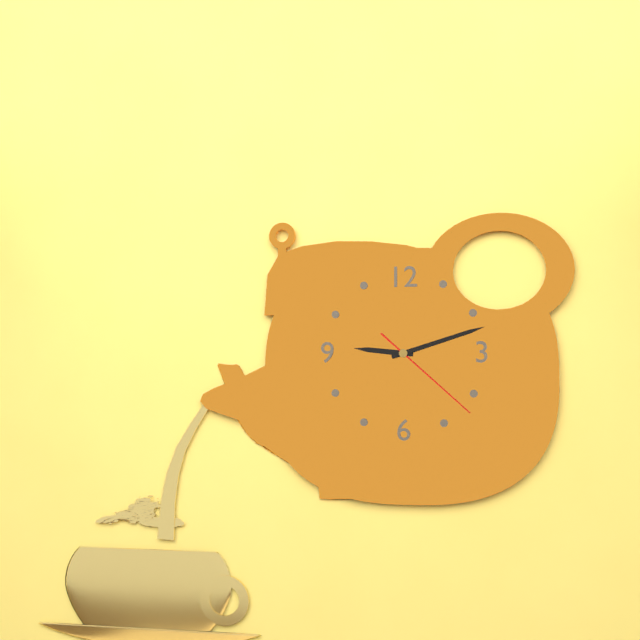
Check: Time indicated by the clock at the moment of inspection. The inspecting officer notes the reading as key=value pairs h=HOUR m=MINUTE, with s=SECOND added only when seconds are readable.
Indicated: h=9 m=12 s=22
